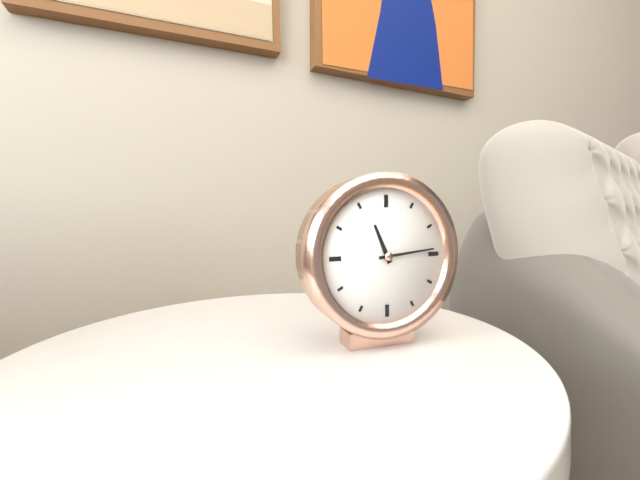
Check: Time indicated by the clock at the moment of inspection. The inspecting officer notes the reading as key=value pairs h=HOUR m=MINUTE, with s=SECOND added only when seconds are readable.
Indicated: h=11 m=14
